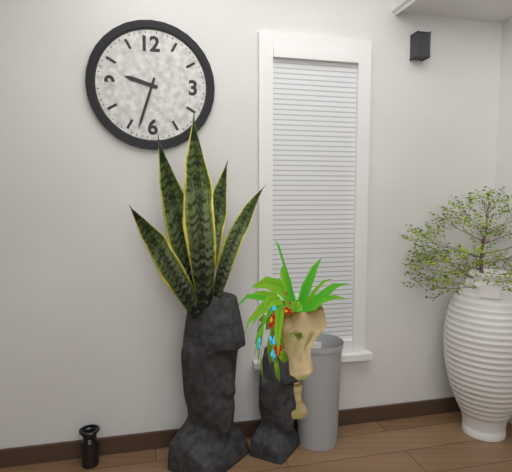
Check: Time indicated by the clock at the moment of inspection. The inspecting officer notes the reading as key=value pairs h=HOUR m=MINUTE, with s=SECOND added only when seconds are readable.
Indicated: h=9 m=33
